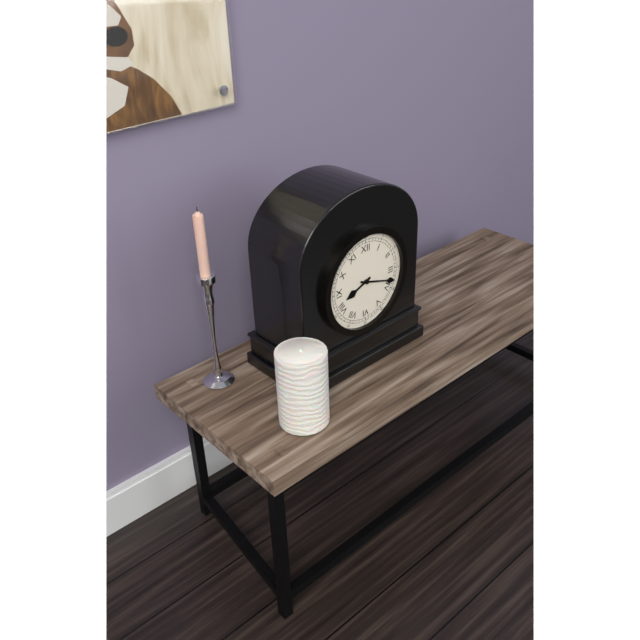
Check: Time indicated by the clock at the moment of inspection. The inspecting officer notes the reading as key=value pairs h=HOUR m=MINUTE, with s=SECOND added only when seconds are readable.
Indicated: h=8 m=18
